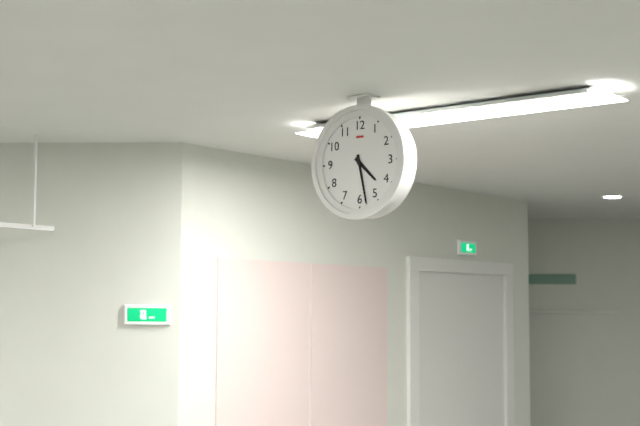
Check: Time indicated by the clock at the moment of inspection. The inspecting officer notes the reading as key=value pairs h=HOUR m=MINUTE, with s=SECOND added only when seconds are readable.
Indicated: h=4 m=28
